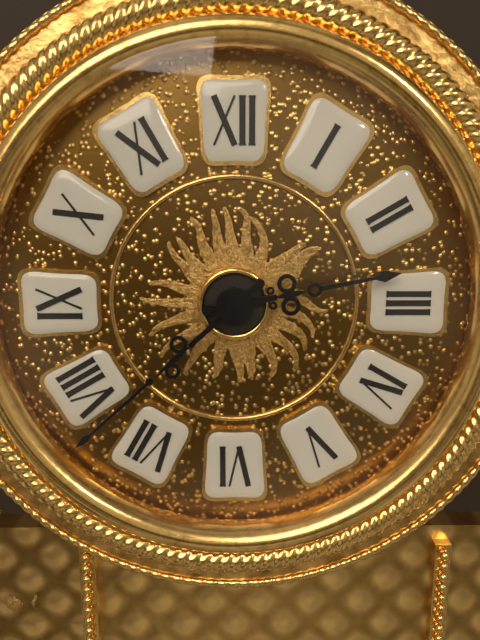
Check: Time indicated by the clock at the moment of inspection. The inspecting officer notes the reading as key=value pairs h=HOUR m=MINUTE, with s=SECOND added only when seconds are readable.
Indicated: h=2 m=38
